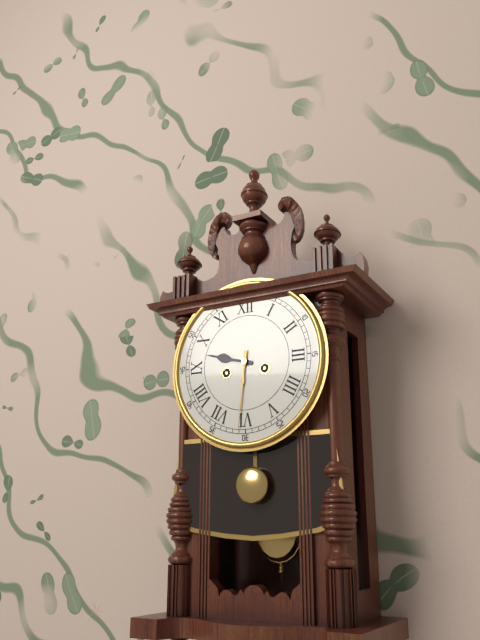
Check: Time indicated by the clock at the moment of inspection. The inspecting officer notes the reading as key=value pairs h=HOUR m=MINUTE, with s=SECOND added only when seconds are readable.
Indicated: h=9 m=31
